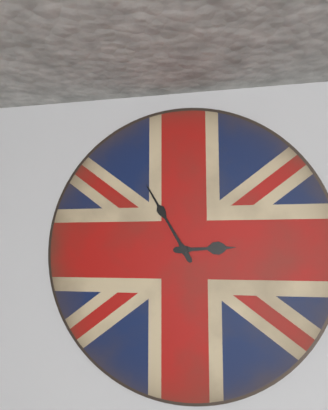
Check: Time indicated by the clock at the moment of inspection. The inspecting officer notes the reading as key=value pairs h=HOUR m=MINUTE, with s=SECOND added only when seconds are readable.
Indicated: h=2 m=55
